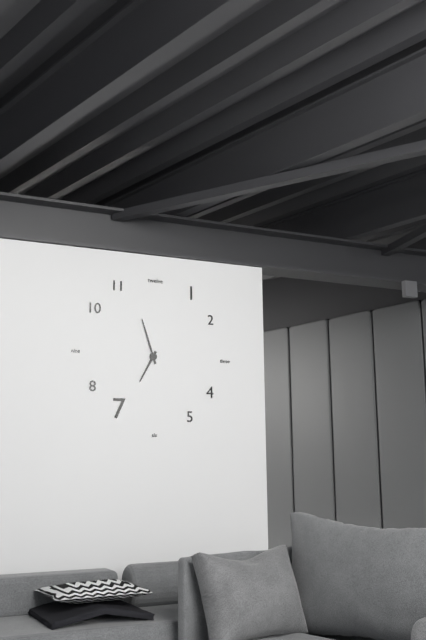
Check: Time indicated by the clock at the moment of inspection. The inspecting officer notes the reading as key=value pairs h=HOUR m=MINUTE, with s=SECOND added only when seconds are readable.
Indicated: h=6 m=57
